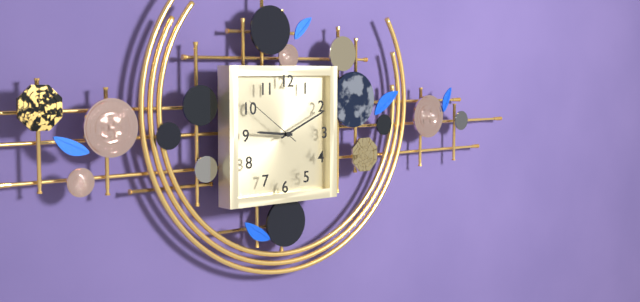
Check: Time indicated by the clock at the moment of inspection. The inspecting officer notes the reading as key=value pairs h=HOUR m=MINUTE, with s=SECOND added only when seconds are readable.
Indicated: h=9 m=11 s=51
